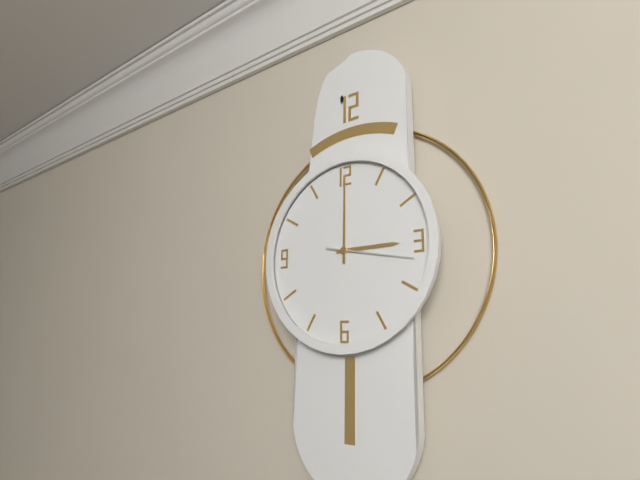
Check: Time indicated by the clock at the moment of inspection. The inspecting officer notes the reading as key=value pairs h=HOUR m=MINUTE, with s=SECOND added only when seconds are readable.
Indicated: h=3 m=0 s=17
